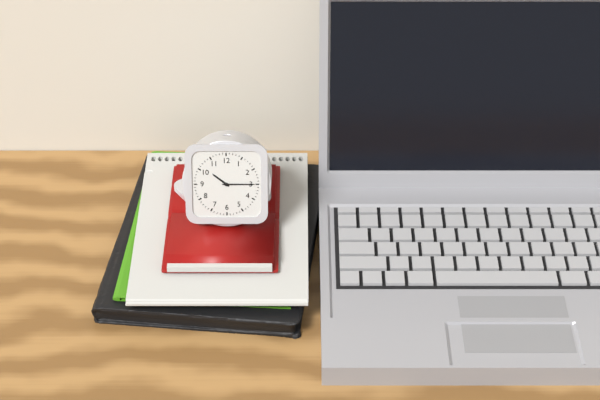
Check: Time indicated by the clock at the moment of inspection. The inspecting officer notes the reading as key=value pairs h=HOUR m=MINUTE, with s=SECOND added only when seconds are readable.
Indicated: h=10 m=15
